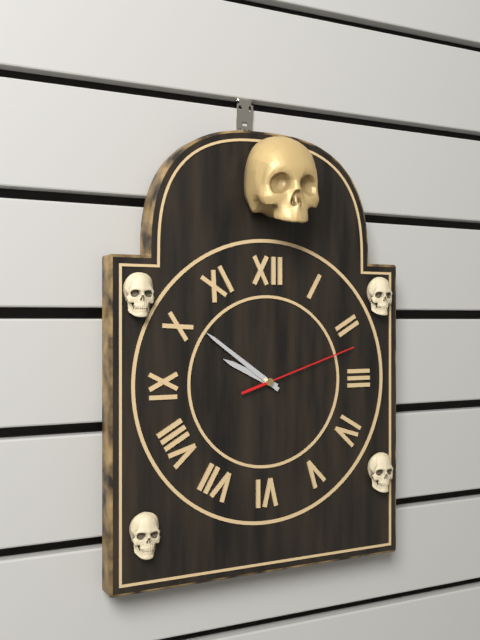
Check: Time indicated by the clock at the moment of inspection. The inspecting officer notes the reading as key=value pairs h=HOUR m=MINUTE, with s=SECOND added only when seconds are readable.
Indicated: h=9 m=51 s=12
